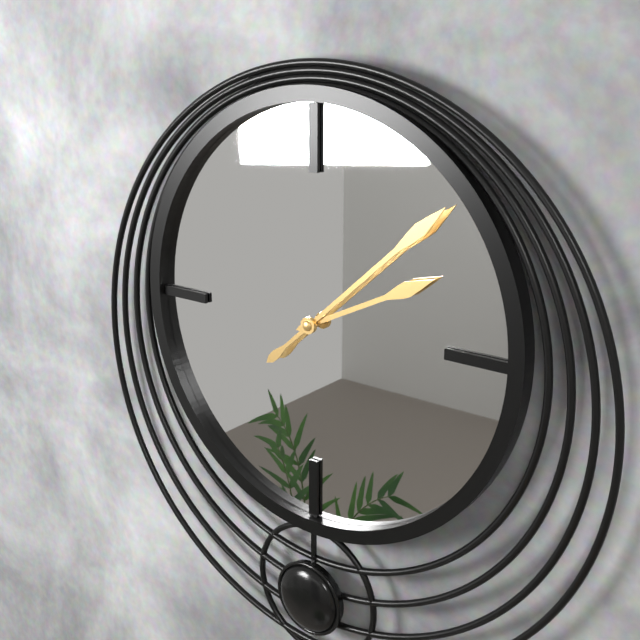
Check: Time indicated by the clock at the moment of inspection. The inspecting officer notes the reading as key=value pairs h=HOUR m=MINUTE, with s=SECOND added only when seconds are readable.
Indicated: h=2 m=8
